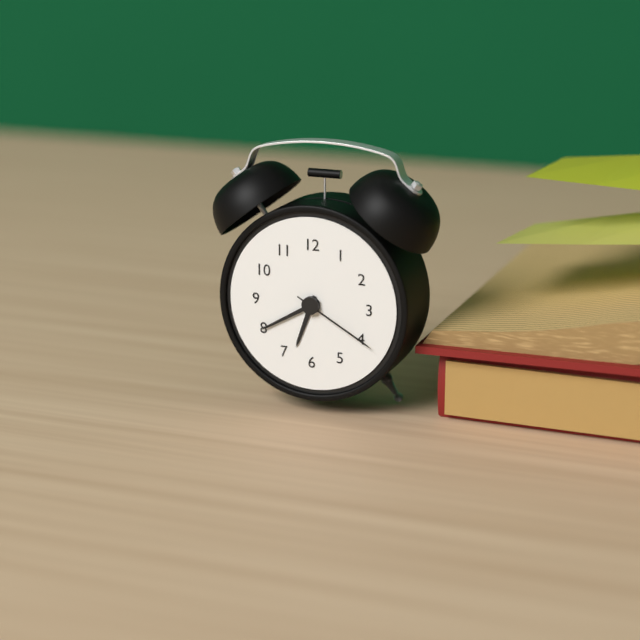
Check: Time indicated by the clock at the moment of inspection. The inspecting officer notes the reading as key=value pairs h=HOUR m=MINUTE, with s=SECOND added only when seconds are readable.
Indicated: h=6 m=40 s=20
